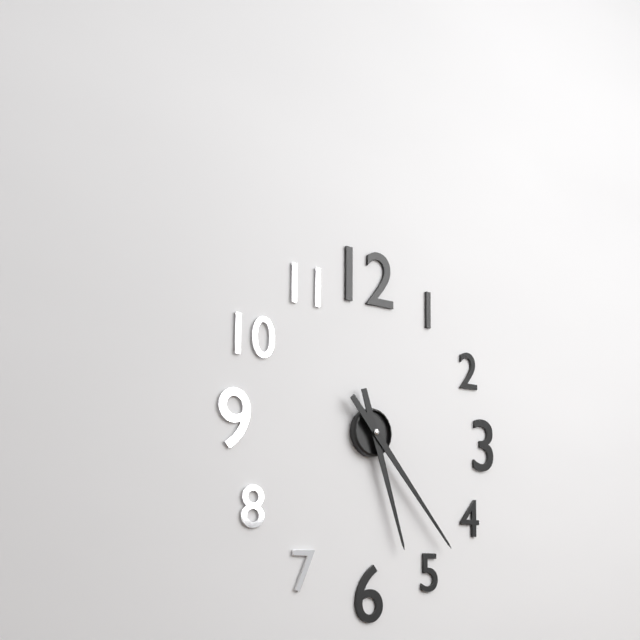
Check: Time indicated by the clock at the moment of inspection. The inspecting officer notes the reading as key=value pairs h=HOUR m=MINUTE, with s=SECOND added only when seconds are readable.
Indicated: h=5 m=23
